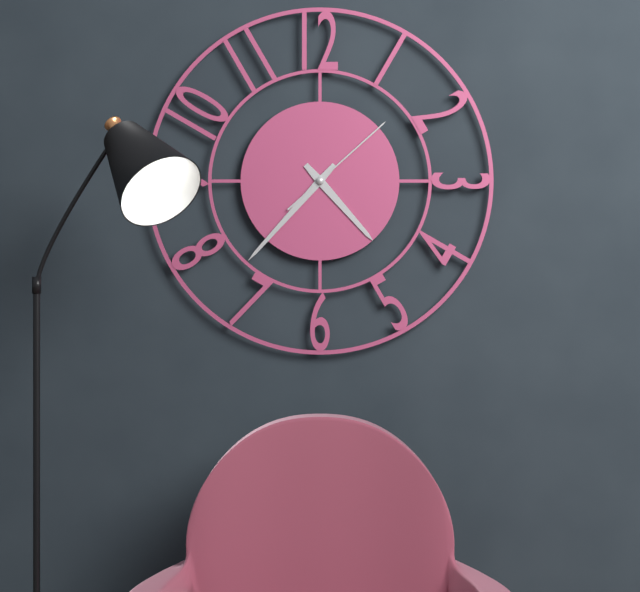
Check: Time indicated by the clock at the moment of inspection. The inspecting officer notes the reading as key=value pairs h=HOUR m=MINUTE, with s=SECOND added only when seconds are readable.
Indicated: h=4 m=37 s=8
